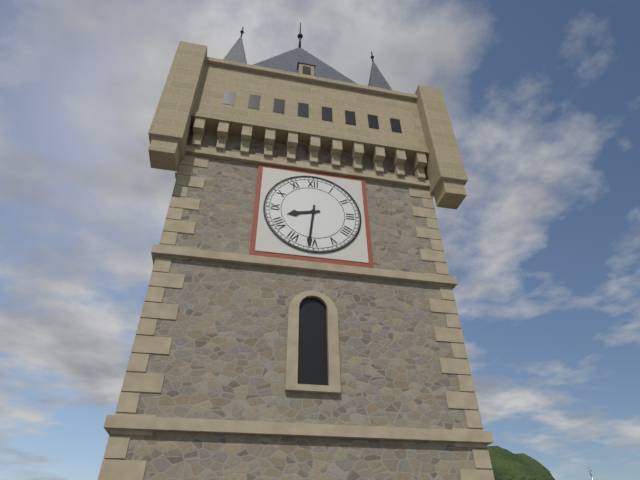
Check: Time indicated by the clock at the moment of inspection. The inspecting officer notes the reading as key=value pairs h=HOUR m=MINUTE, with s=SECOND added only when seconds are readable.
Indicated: h=8 m=31
